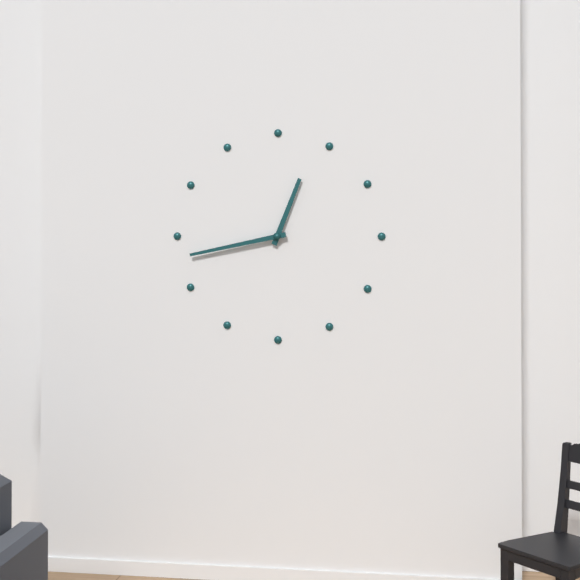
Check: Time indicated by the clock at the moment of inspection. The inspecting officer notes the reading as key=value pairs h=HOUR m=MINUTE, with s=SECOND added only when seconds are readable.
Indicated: h=12 m=43
